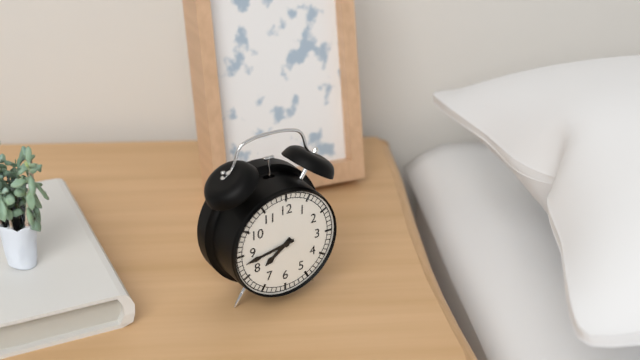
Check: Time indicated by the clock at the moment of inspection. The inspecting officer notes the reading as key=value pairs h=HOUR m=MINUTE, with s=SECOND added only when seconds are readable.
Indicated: h=7 m=43
